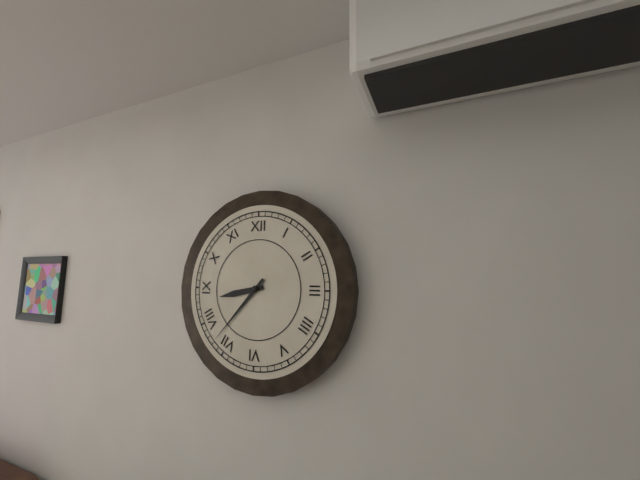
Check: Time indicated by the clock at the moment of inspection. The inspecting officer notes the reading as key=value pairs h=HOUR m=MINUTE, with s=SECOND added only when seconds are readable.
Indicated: h=8 m=37
